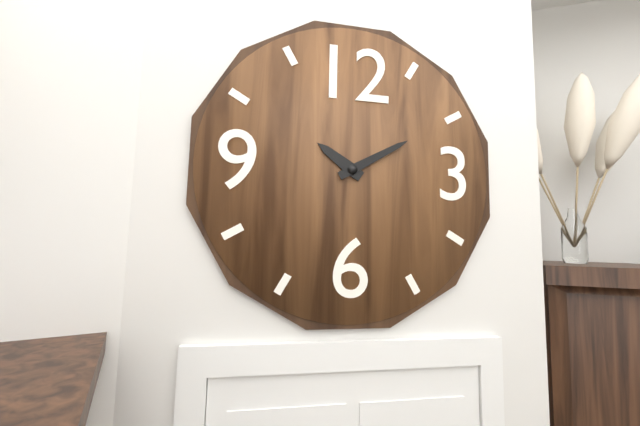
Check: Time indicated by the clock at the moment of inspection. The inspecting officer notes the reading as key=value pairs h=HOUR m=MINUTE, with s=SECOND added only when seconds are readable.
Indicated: h=10 m=10
